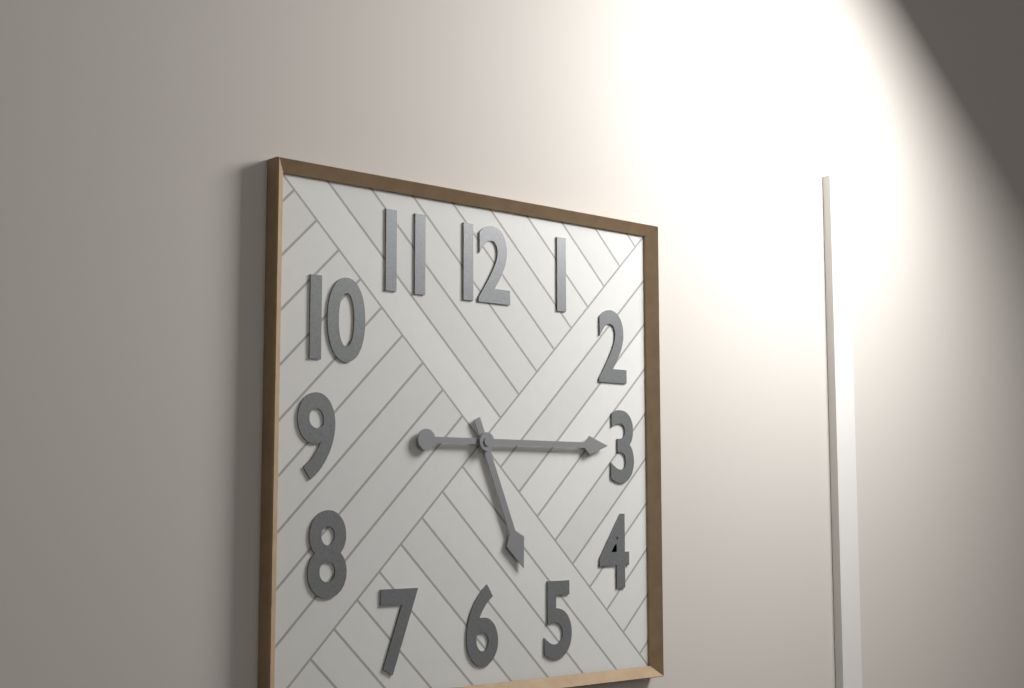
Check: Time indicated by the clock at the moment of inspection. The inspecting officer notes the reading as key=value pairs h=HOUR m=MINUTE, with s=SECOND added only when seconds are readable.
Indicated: h=5 m=15
